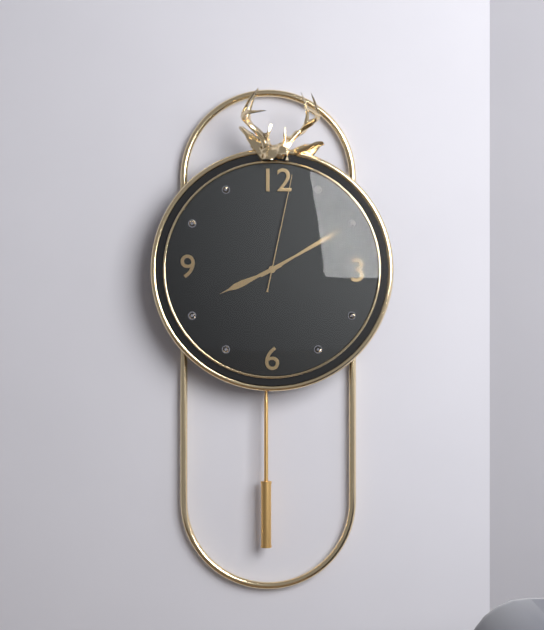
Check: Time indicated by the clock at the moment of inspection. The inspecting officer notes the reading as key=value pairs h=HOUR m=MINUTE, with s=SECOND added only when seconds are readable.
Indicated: h=8 m=10 s=2
